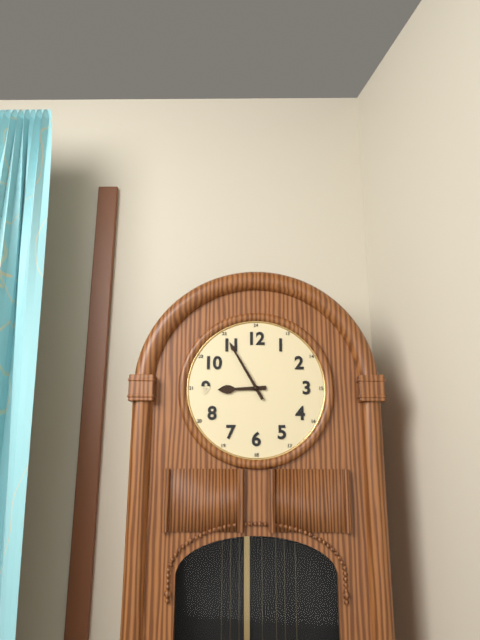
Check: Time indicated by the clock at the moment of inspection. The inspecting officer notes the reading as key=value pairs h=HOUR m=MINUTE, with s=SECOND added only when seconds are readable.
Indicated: h=8 m=55
